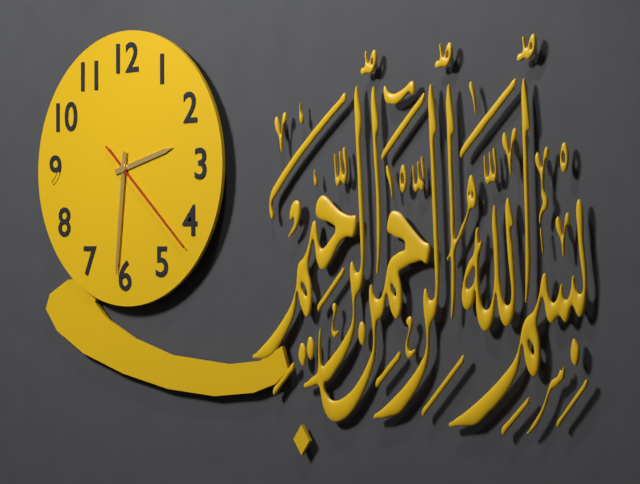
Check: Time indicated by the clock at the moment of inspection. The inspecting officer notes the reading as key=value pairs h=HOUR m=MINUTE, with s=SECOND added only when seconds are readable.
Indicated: h=2 m=31 s=22
